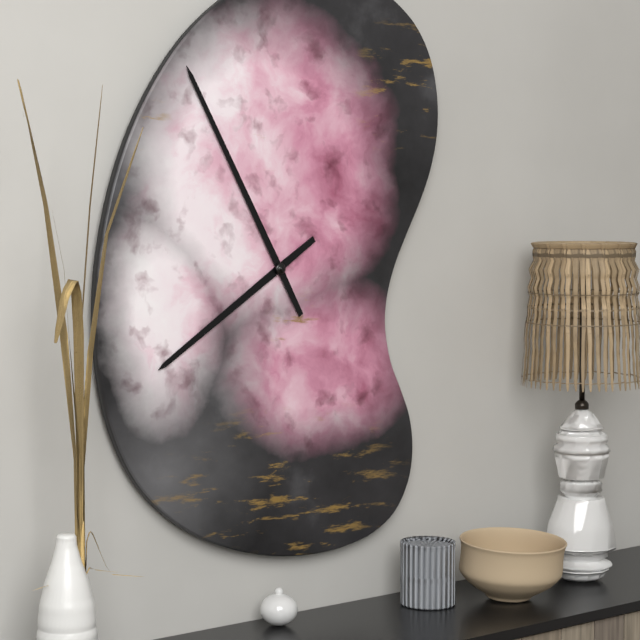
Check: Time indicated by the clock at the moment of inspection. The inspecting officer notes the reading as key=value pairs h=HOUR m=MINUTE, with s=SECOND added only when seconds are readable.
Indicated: h=7 m=55
